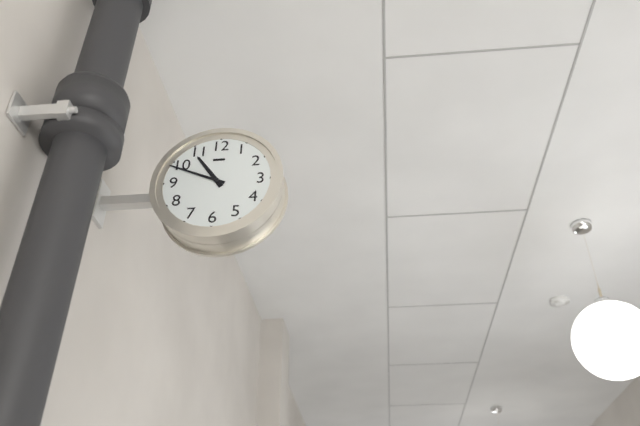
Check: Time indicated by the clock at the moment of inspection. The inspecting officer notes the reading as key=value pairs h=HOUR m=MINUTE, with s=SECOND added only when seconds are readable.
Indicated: h=10 m=49
